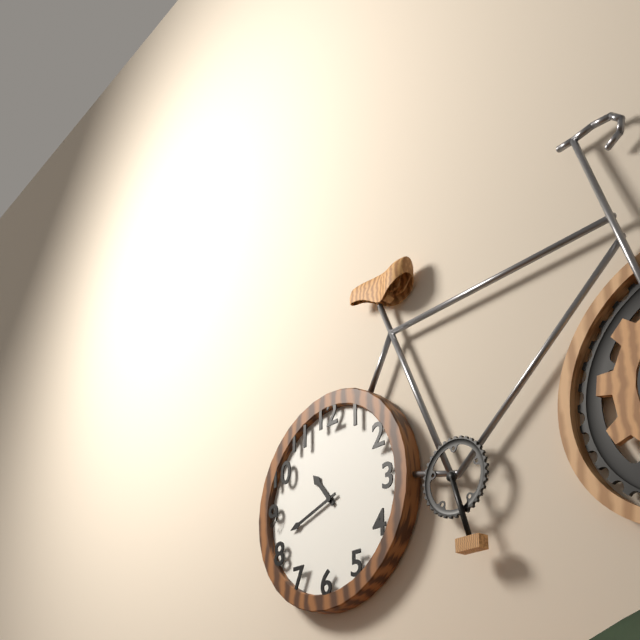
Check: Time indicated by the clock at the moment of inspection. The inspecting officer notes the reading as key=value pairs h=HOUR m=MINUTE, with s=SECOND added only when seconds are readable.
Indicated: h=10 m=42
